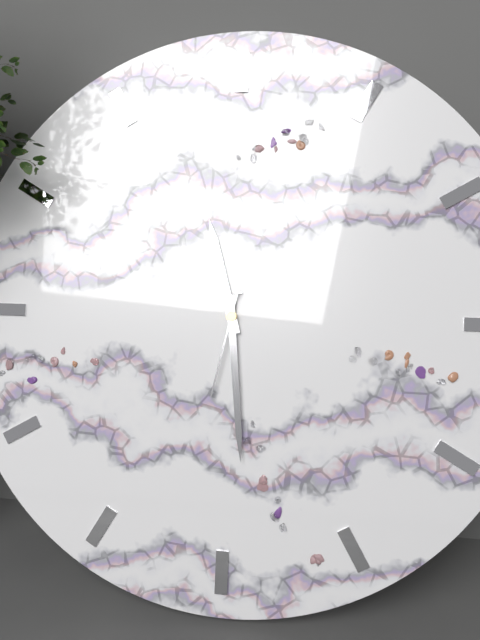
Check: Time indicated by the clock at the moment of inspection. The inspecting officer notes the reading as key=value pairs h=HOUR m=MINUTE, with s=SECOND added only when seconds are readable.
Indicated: h=11 m=29 s=32
